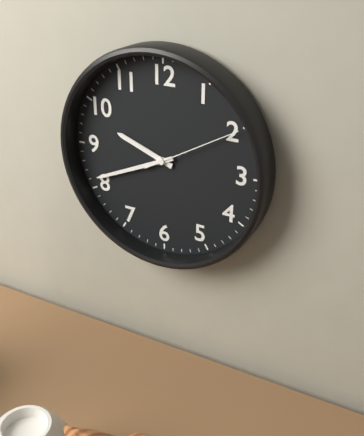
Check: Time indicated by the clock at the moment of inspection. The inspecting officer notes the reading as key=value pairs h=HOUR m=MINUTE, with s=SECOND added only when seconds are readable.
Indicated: h=9 m=41 s=10
